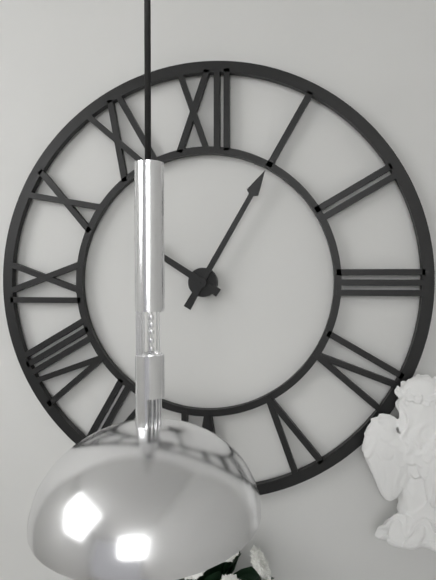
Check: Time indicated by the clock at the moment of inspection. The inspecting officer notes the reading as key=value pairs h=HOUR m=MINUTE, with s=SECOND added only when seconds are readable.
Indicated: h=10 m=5
